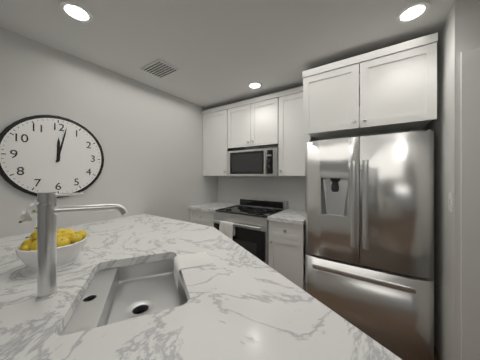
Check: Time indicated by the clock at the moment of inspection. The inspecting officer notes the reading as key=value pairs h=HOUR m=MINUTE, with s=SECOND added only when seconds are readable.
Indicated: h=12 m=2
